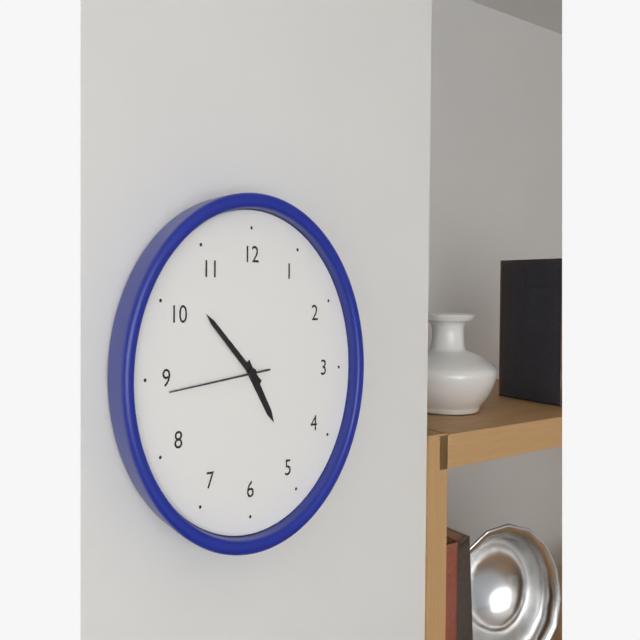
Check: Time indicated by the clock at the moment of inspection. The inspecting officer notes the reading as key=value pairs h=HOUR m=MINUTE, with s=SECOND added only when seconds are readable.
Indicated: h=4 m=52 s=44
